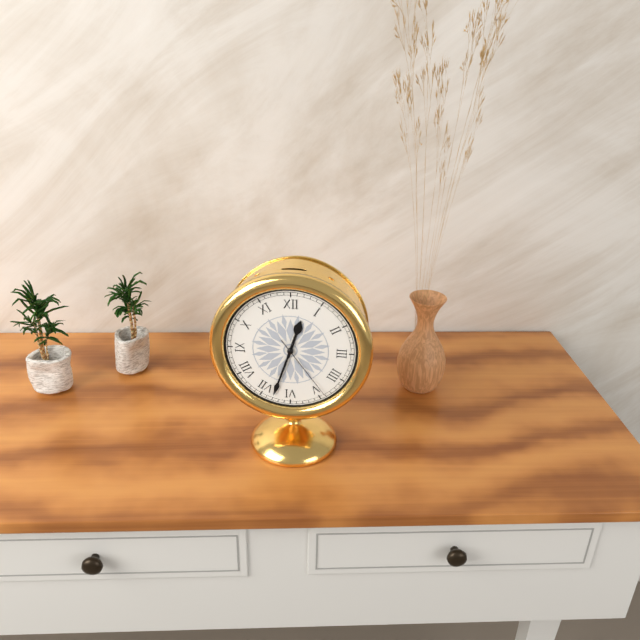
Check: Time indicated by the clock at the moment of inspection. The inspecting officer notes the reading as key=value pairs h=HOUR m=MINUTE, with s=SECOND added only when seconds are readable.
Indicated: h=12 m=33 s=24
